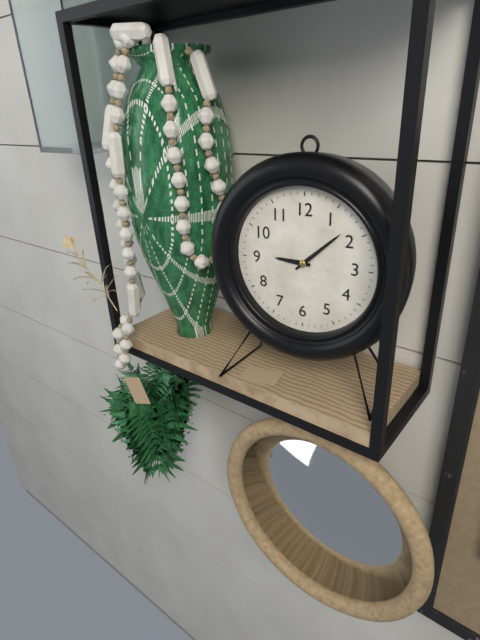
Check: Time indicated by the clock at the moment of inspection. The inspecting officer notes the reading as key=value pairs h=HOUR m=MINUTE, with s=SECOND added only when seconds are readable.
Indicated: h=9 m=8
